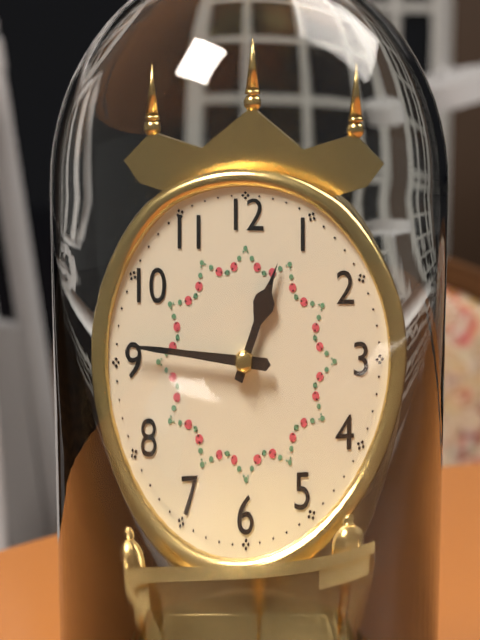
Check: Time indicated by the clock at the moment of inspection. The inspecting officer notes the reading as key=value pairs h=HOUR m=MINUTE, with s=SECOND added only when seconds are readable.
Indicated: h=12 m=46
